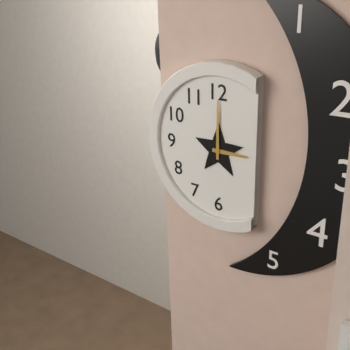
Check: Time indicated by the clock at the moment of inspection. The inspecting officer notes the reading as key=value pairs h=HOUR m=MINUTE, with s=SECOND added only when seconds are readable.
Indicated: h=3 m=0
